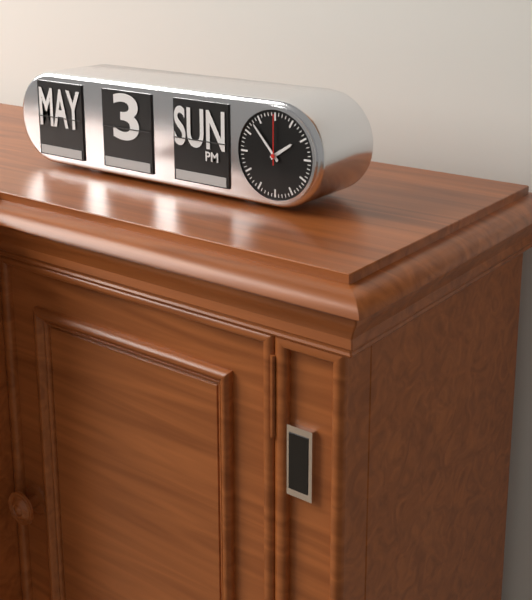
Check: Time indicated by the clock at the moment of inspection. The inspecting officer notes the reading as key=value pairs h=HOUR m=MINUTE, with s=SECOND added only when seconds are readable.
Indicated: h=1 m=53 s=0
